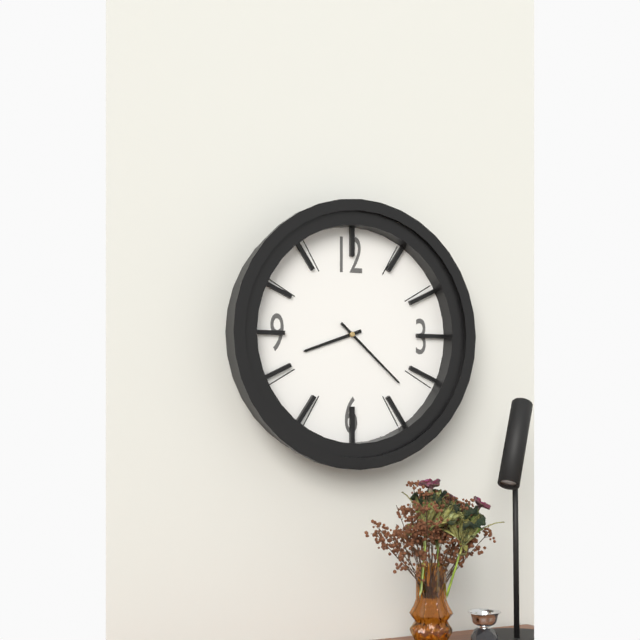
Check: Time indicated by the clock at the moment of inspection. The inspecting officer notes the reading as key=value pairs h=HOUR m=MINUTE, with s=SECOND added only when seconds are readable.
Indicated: h=8 m=22
